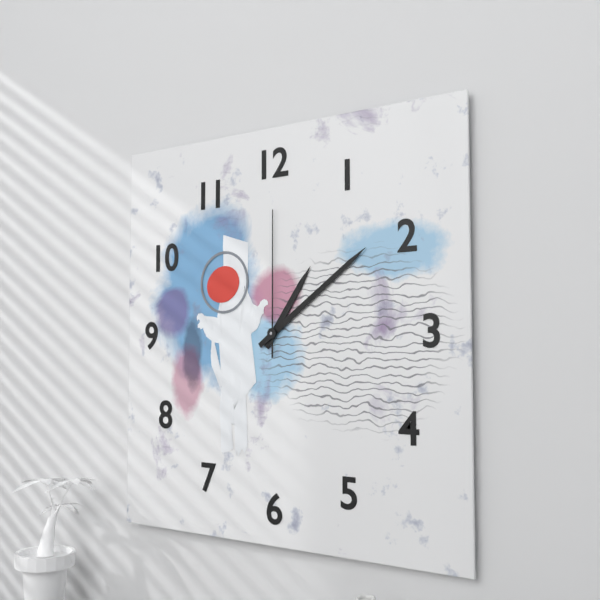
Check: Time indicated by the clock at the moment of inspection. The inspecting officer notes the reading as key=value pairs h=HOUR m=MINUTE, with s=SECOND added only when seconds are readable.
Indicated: h=1 m=9 s=0
